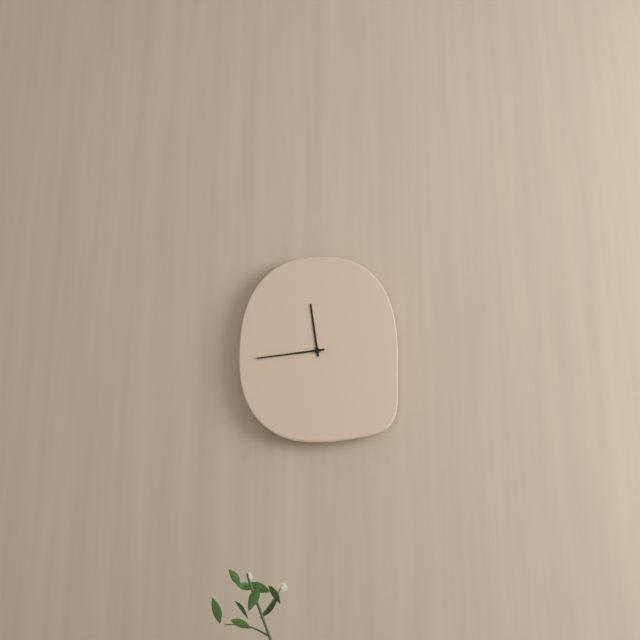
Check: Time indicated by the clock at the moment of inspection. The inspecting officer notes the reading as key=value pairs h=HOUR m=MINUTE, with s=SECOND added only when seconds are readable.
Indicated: h=11 m=44
